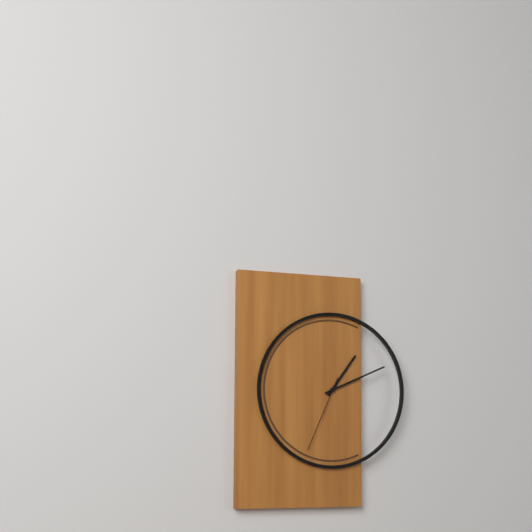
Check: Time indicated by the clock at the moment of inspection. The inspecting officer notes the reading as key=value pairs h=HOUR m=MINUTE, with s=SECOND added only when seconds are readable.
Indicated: h=1 m=11 s=34
